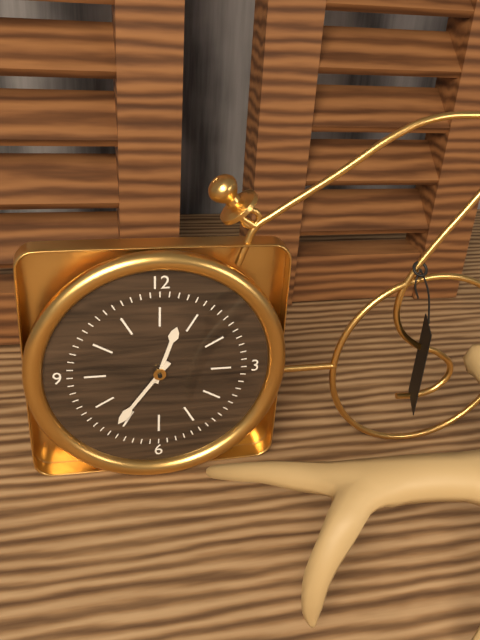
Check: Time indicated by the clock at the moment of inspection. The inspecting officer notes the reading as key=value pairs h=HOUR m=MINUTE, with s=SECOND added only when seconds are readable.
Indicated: h=12 m=36
